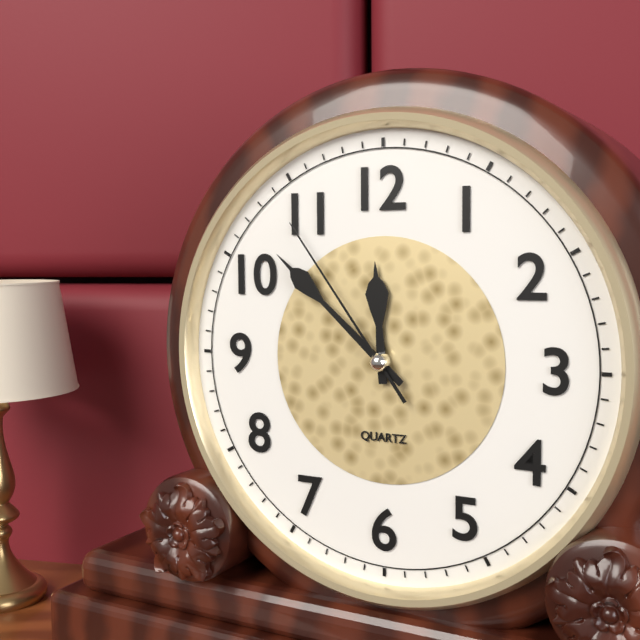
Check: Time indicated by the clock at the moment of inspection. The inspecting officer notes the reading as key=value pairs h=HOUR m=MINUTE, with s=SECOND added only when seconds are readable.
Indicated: h=11 m=52 s=54
